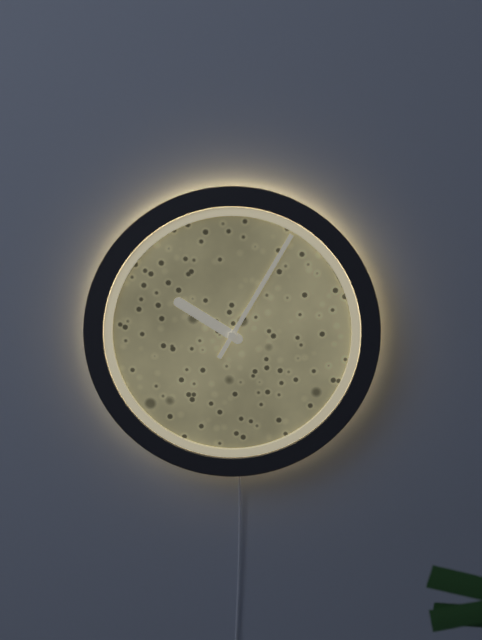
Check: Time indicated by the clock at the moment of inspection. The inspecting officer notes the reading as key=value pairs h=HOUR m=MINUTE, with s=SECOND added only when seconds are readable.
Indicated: h=10 m=5
